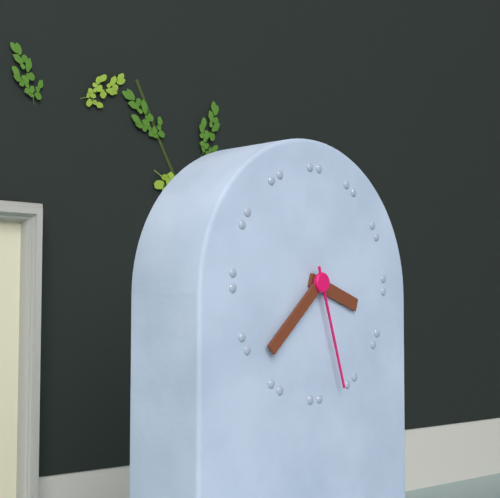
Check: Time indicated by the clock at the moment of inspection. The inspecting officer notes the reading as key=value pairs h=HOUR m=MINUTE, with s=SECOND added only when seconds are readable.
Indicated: h=3 m=38 s=27
